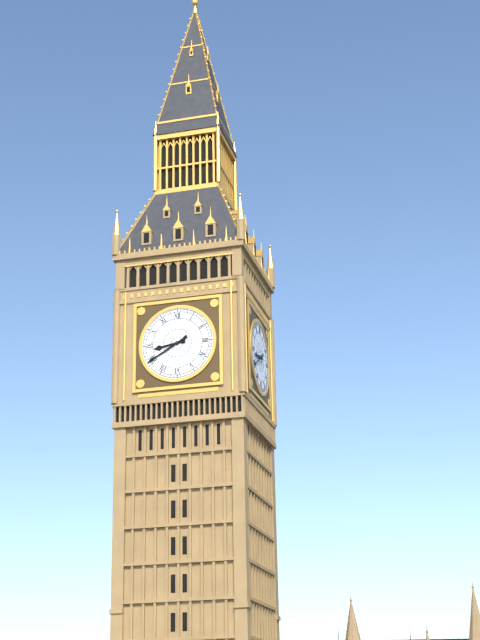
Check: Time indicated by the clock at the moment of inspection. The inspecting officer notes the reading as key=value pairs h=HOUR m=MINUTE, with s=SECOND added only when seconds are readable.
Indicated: h=8 m=40
